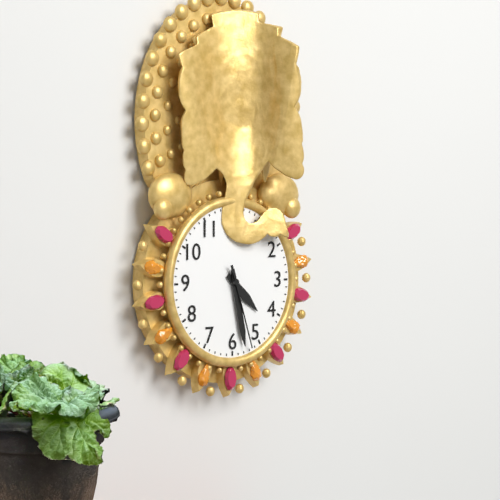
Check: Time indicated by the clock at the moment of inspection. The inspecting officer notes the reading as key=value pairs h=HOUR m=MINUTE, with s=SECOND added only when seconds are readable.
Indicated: h=4 m=28 s=27
